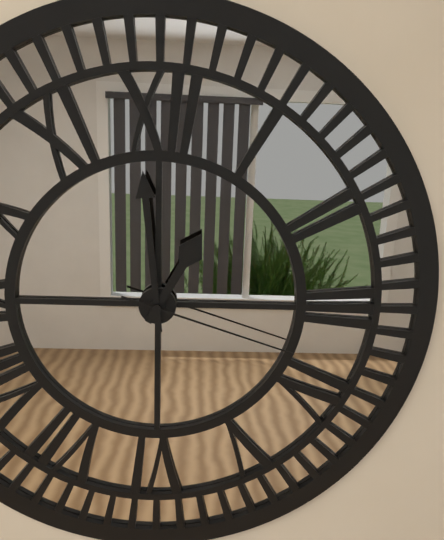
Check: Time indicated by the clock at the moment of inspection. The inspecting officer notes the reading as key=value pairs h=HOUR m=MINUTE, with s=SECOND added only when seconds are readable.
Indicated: h=12 m=59 s=18
